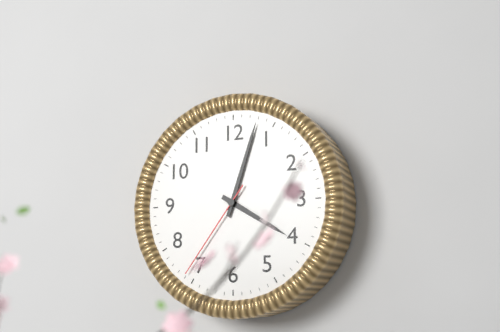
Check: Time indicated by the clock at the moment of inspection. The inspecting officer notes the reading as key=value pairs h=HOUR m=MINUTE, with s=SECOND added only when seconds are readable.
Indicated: h=4 m=3 s=36
